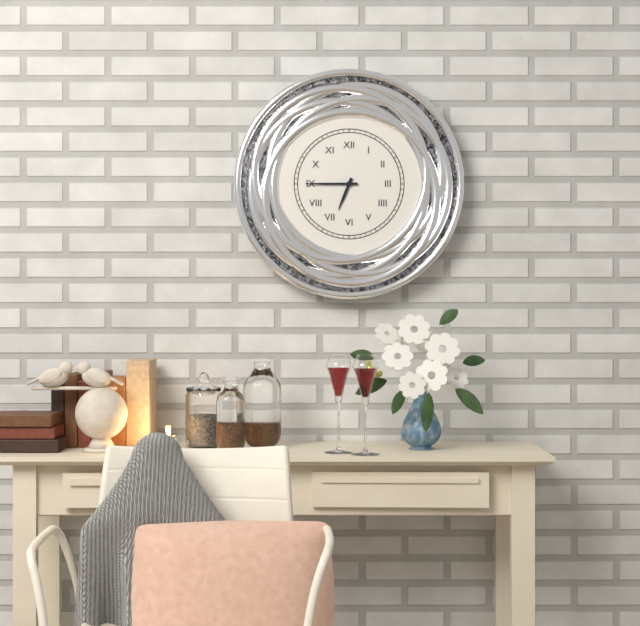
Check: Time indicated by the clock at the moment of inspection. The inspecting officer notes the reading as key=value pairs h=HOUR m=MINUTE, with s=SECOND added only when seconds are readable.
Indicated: h=6 m=45
